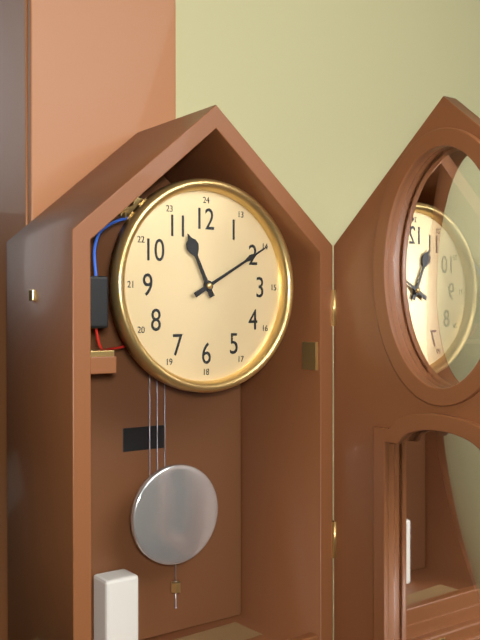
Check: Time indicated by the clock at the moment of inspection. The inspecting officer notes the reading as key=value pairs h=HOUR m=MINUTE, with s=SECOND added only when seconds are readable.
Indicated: h=11 m=10
